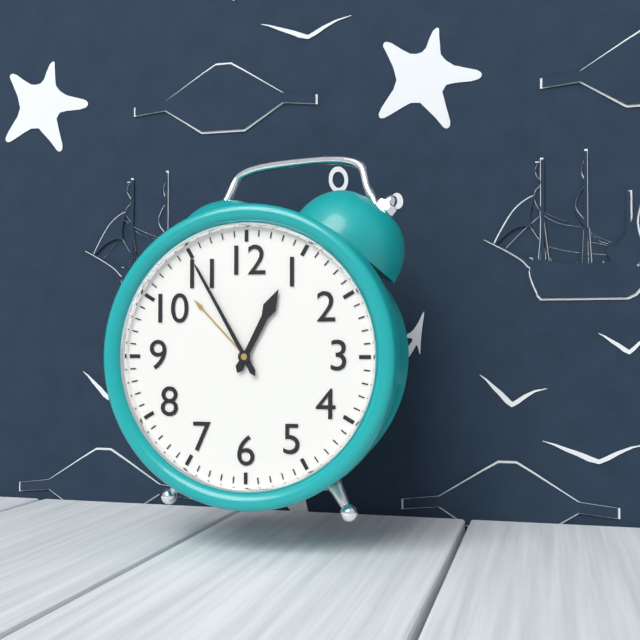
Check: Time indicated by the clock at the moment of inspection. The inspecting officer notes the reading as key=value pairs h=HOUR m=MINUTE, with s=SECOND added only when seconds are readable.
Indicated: h=12 m=55
